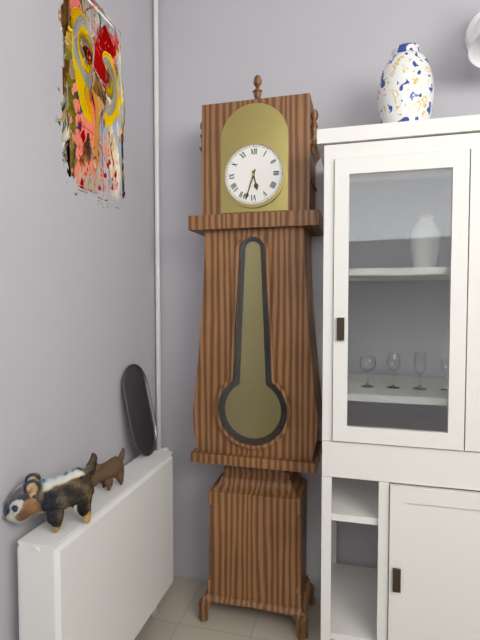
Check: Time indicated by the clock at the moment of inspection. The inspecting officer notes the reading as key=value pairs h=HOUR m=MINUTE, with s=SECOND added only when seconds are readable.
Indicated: h=5 m=33
